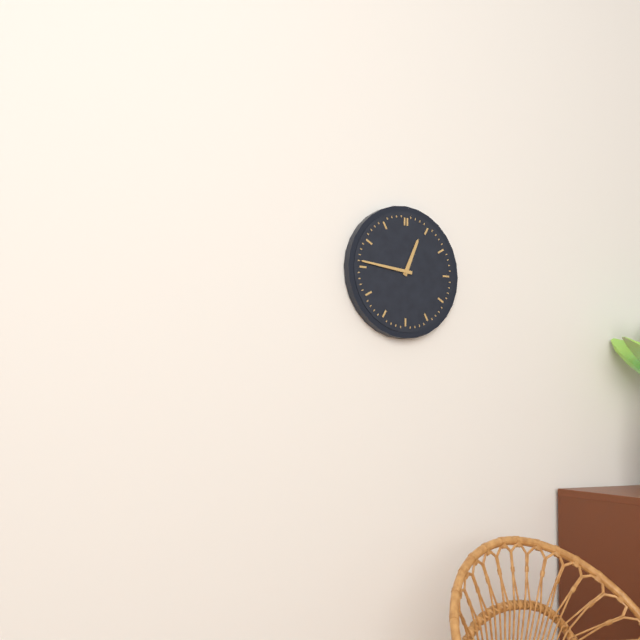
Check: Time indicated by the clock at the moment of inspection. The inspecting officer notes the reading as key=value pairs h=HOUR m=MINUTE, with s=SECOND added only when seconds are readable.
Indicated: h=12 m=46
